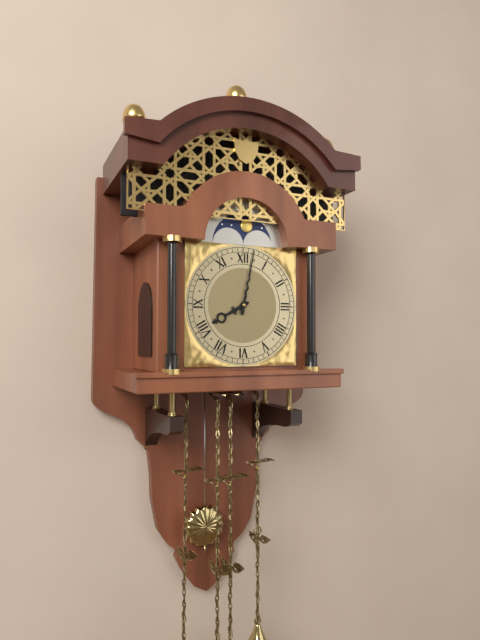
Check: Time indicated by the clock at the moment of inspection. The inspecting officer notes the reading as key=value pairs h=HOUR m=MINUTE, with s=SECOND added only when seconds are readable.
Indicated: h=8 m=2
